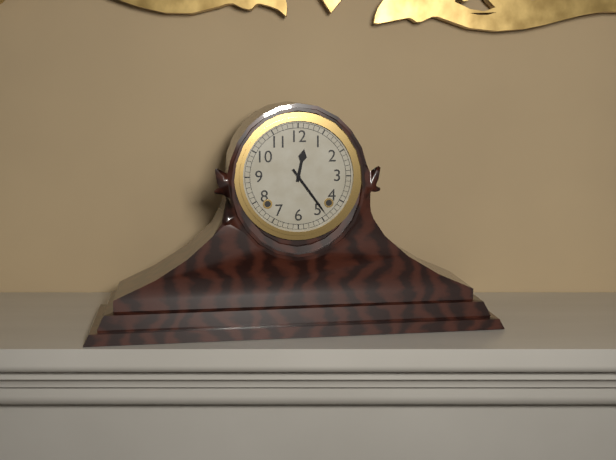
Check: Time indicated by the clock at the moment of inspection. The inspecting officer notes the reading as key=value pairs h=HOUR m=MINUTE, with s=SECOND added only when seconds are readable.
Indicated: h=12 m=24
